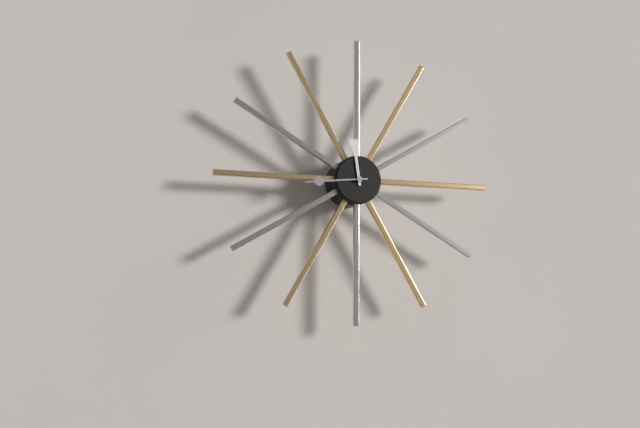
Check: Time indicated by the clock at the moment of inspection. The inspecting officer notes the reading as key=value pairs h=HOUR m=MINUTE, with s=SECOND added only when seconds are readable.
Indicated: h=11 m=44
